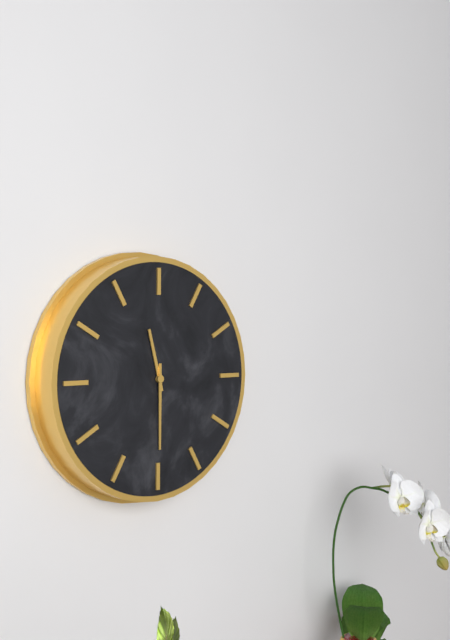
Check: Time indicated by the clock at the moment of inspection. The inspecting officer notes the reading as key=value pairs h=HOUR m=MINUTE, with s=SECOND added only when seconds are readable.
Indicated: h=11 m=30
